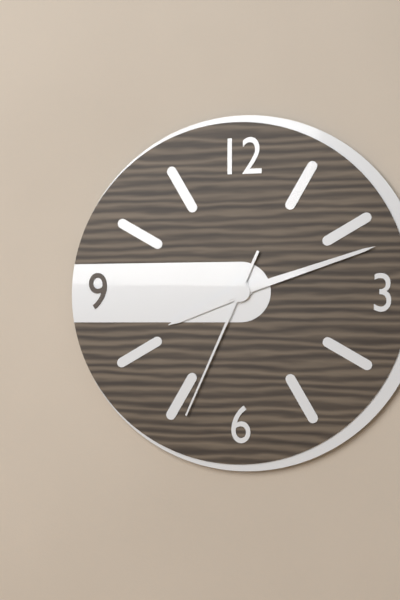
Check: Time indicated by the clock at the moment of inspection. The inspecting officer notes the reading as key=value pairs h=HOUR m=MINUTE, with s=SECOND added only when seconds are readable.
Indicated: h=8 m=12 s=34
